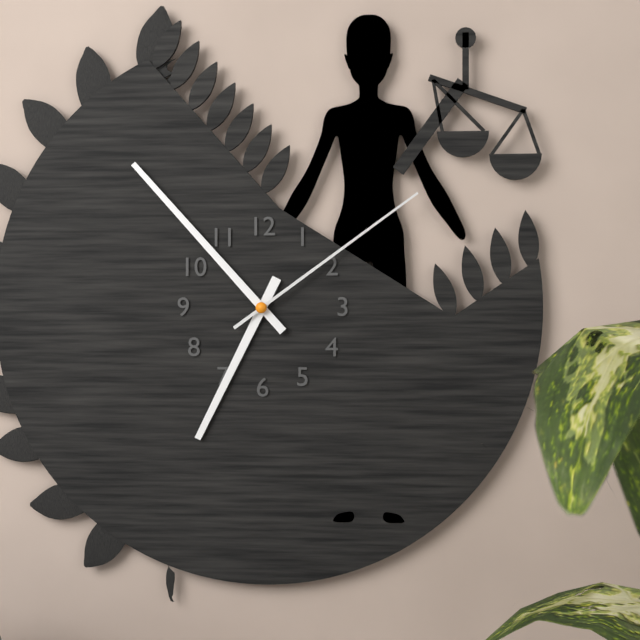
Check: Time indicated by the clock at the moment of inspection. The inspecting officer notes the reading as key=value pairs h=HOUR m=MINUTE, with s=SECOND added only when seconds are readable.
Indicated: h=6 m=53 s=9
